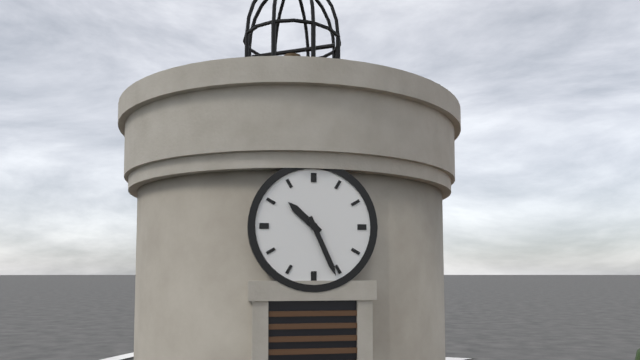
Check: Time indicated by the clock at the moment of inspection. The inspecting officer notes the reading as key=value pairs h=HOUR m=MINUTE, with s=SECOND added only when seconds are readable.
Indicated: h=10 m=26
